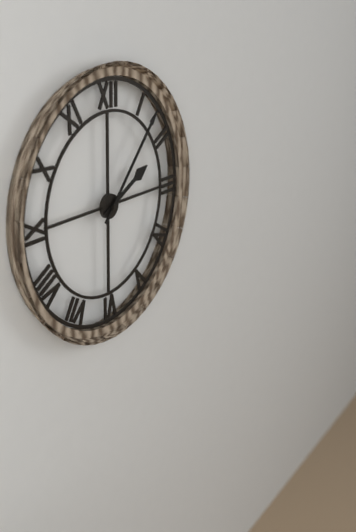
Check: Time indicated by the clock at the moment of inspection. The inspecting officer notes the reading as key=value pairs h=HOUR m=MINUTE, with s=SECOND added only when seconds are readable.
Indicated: h=2 m=7
